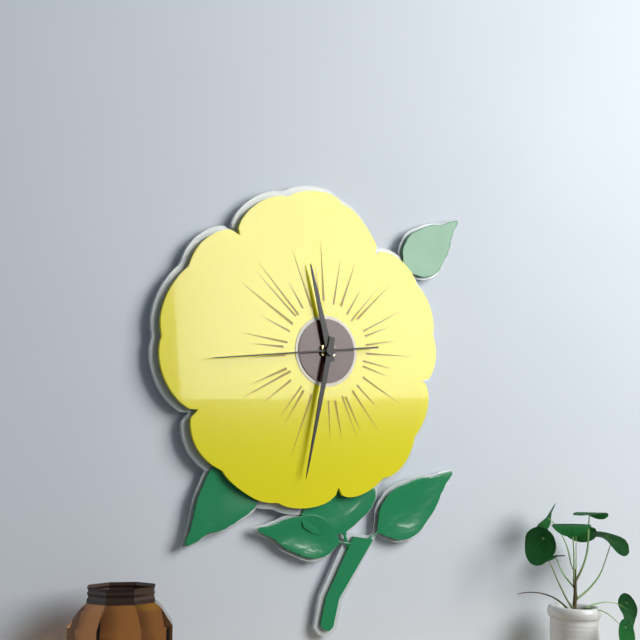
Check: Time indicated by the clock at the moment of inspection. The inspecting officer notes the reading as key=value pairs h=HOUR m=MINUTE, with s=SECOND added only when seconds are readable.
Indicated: h=11 m=32 s=44
